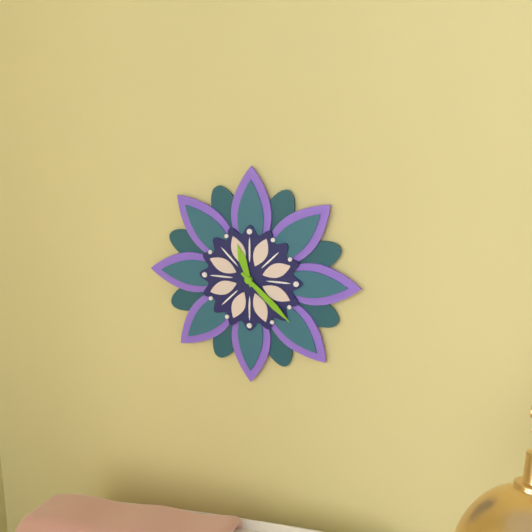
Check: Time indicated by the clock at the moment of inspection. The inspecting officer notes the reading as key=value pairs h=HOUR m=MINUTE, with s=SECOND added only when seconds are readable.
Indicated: h=11 m=22
